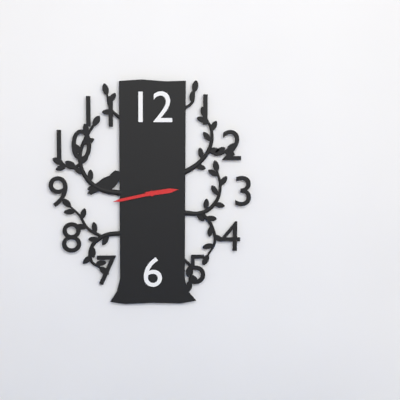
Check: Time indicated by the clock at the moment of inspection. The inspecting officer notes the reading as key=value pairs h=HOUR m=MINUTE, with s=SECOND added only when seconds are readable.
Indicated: h=2 m=43
